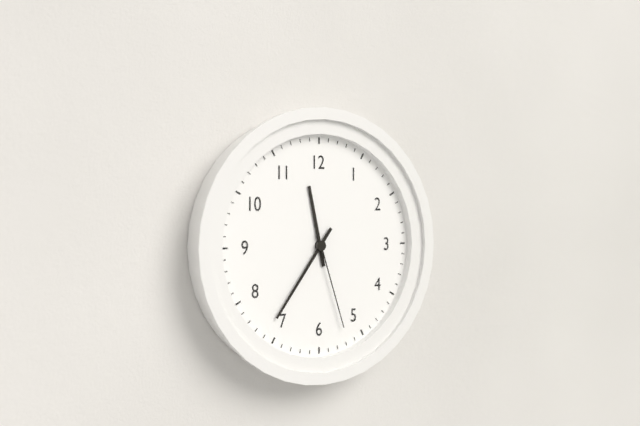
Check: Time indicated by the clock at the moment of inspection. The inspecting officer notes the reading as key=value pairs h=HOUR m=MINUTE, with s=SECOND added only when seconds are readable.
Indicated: h=11 m=36 s=27
